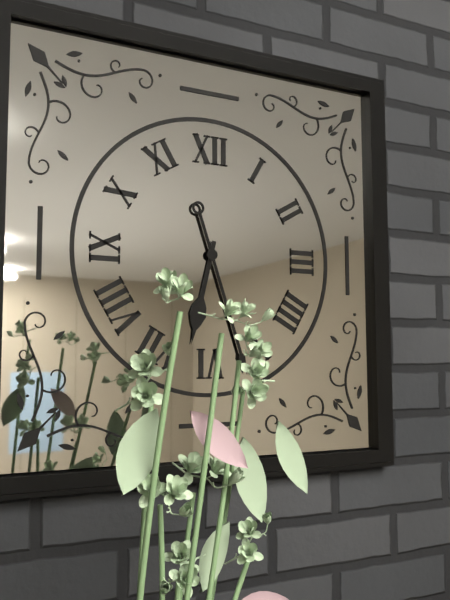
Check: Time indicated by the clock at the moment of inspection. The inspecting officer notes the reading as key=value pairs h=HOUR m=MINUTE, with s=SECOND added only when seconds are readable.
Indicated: h=6 m=27
